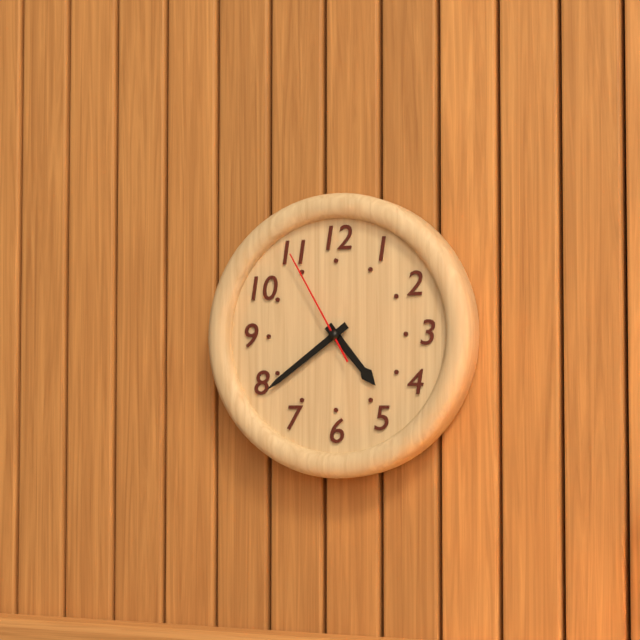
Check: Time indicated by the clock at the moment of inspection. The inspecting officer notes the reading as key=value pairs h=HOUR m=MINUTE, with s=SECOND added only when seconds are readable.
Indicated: h=4 m=39 s=55
